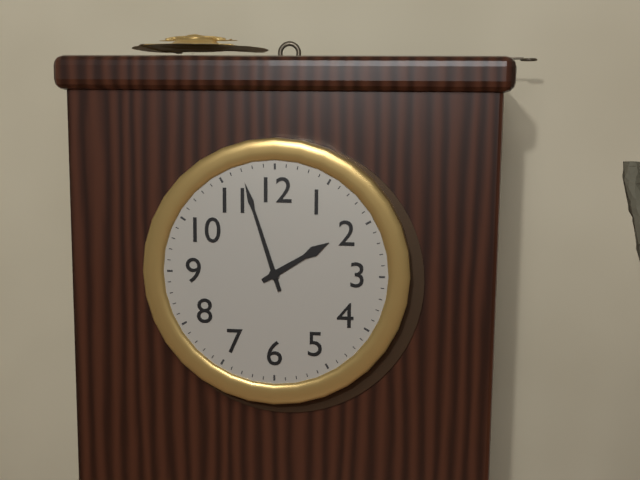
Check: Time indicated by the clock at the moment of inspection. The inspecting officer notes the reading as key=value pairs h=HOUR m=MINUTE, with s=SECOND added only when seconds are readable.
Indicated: h=1 m=57
